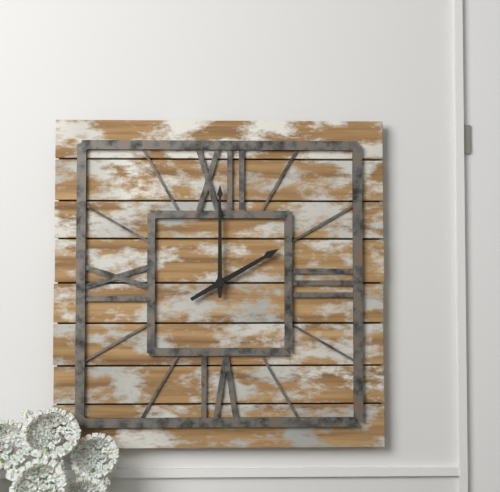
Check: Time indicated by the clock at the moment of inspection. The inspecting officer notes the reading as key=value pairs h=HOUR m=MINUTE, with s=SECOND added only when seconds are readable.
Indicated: h=2 m=0
